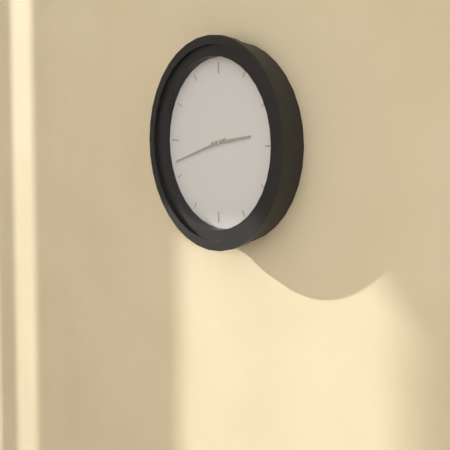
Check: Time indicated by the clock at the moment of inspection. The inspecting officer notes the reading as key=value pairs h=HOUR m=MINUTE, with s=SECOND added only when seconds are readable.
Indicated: h=2 m=42
